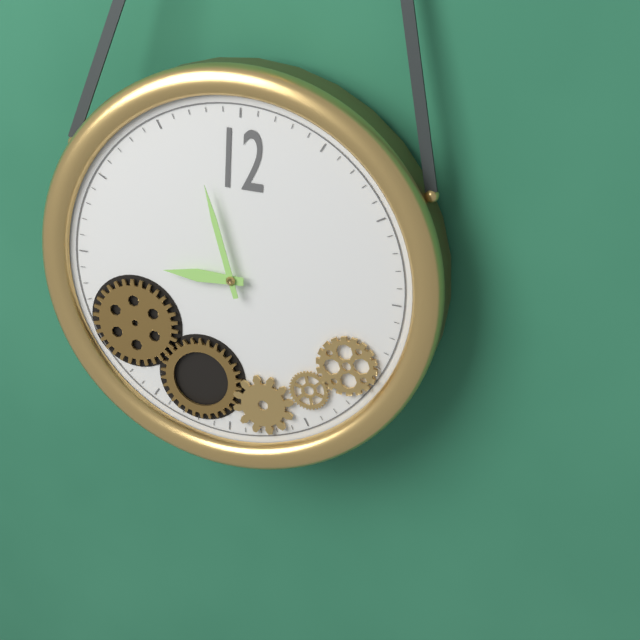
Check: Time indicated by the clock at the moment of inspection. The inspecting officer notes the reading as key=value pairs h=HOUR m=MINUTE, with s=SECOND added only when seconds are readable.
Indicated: h=8 m=57
